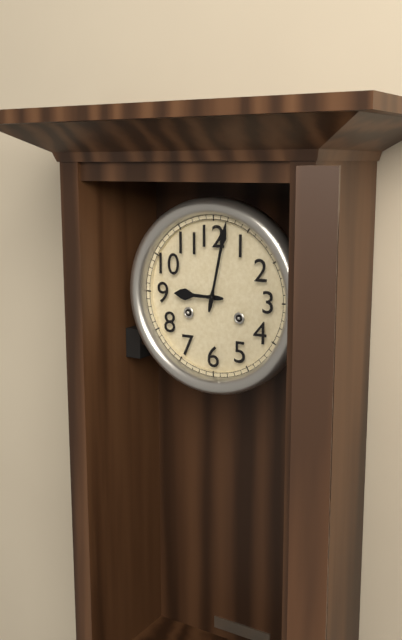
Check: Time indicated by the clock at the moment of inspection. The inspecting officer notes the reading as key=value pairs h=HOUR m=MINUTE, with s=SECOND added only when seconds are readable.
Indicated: h=9 m=2
